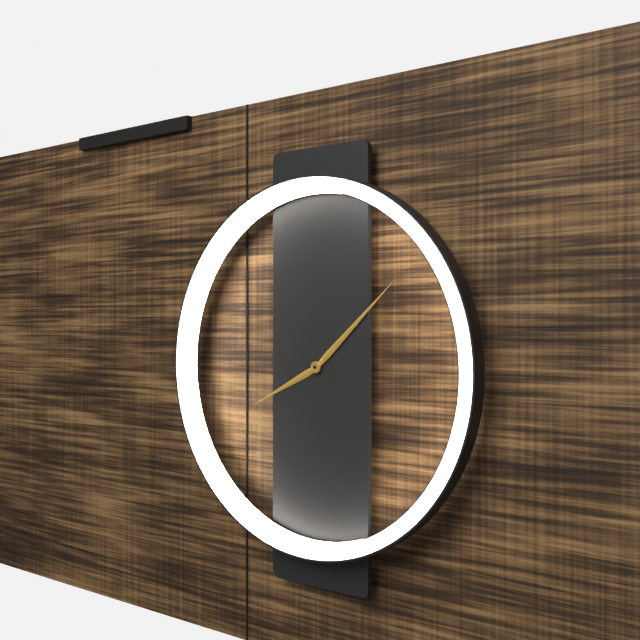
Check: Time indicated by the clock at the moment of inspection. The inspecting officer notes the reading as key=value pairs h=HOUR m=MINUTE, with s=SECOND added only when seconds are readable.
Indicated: h=8 m=8
